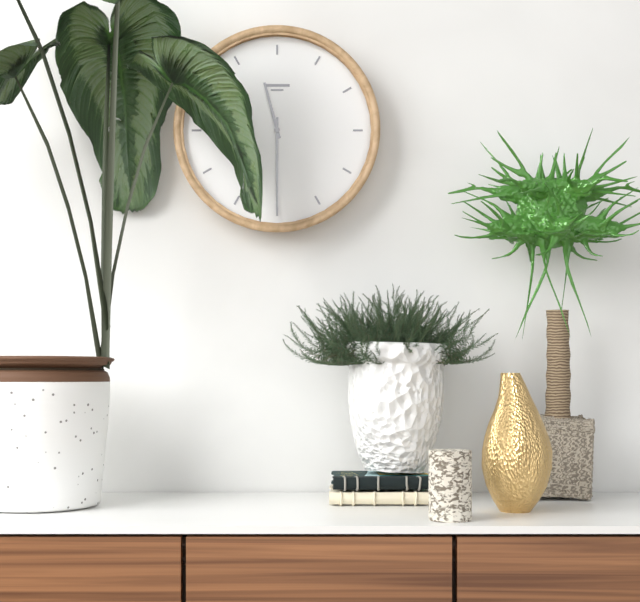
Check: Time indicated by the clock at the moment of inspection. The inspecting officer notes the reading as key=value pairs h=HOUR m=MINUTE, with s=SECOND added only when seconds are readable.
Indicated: h=11 m=30
